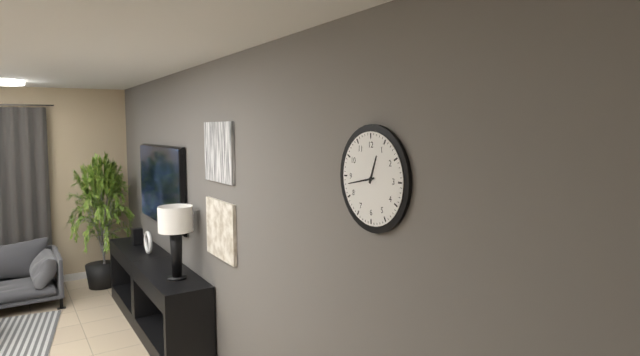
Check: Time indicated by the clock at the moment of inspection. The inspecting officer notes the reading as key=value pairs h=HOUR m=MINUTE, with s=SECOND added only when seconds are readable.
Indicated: h=12 m=43
